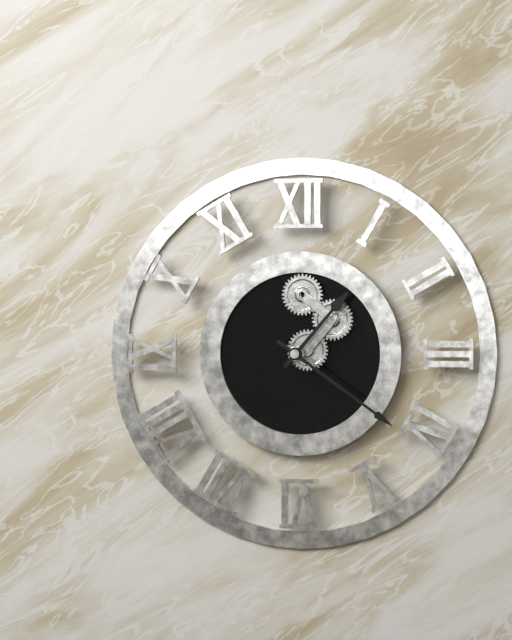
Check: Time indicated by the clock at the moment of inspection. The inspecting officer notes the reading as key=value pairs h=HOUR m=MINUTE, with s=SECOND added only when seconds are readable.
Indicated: h=1 m=21
